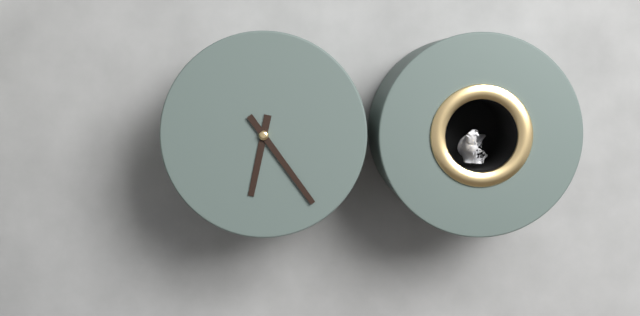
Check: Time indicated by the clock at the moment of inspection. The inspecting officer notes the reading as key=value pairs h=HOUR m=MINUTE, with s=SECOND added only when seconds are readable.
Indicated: h=6 m=24
